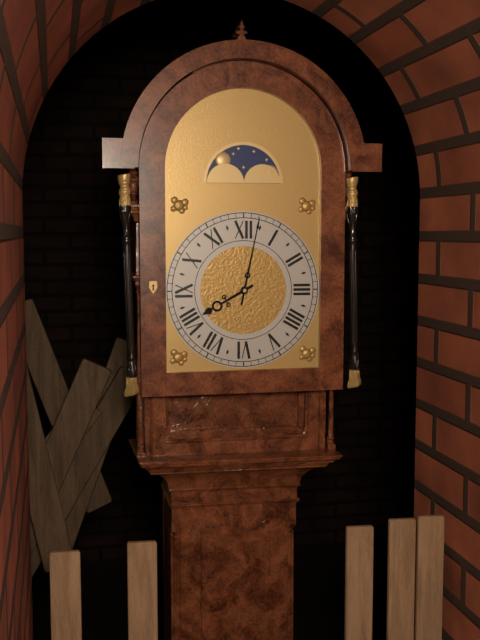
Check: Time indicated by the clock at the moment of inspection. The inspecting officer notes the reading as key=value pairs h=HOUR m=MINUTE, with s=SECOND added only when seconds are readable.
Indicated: h=8 m=2
